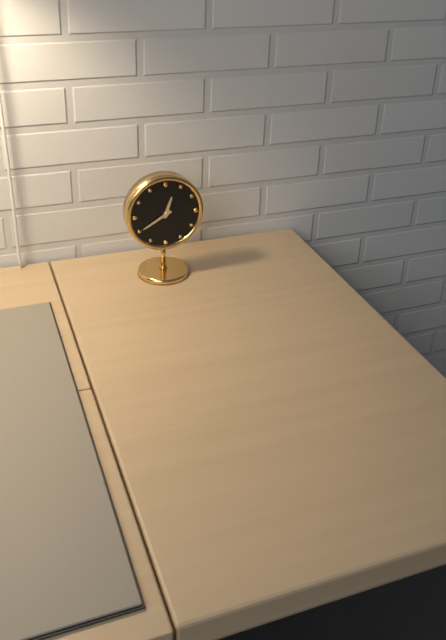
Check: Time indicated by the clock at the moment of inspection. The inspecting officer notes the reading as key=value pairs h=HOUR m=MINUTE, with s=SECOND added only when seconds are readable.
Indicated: h=12 m=40
